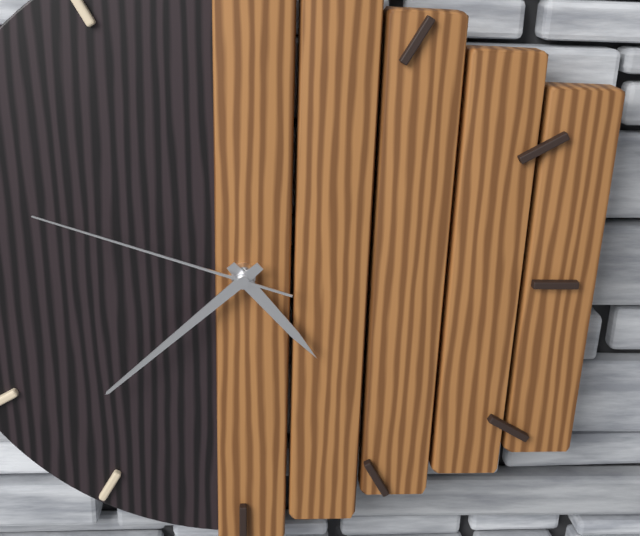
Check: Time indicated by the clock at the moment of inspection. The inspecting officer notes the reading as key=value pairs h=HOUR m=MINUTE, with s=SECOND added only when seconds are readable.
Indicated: h=4 m=38 s=48
